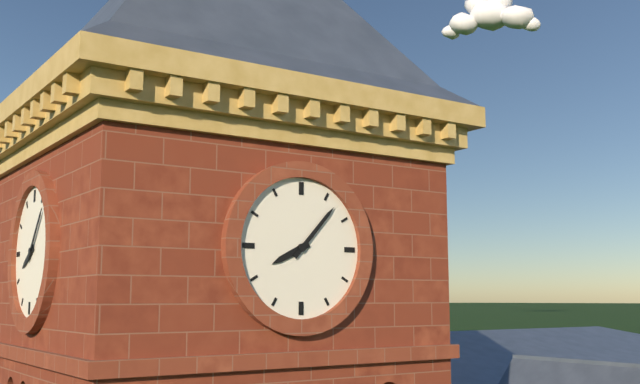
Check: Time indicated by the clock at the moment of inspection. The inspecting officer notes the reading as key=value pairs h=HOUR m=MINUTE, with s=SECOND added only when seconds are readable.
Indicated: h=8 m=7
